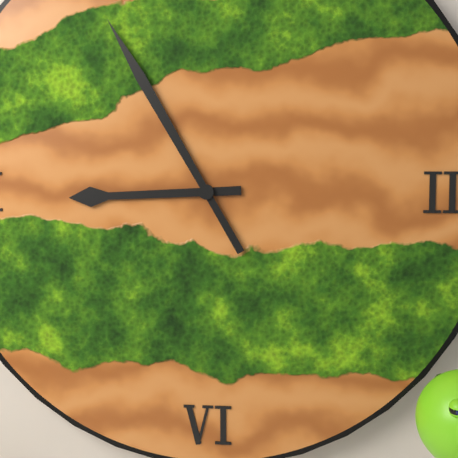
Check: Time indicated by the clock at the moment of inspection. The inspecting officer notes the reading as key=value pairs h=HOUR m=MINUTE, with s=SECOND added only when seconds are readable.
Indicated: h=8 m=55
